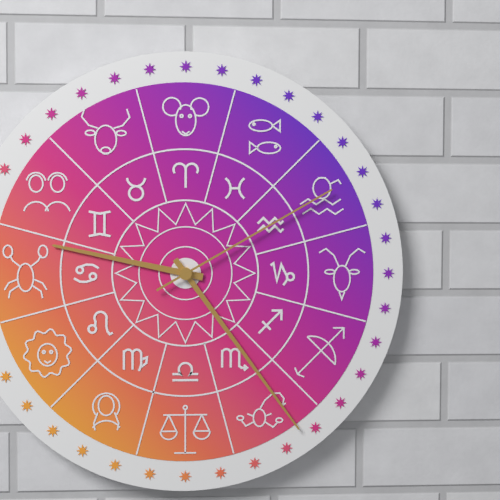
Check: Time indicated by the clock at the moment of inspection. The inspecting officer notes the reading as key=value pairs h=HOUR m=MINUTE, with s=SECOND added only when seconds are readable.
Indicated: h=9 m=24 s=10
